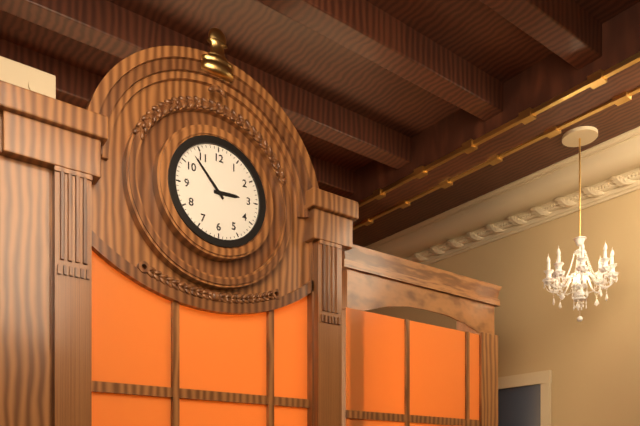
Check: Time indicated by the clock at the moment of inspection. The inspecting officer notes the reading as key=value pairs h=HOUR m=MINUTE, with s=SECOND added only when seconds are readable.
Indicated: h=2 m=53
